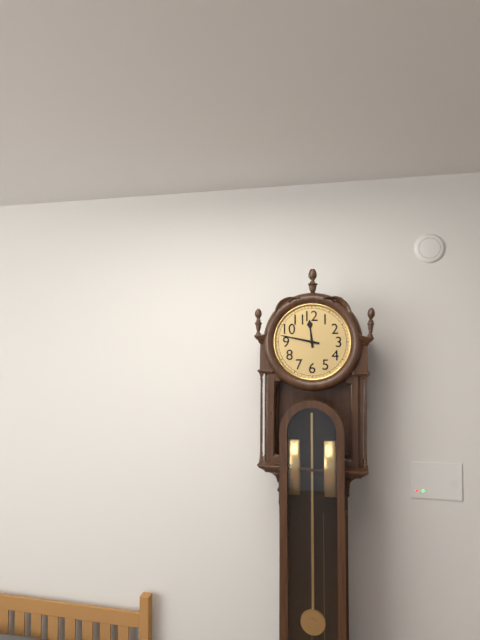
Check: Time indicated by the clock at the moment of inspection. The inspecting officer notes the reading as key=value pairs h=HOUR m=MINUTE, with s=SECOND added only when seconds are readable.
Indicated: h=11 m=47
